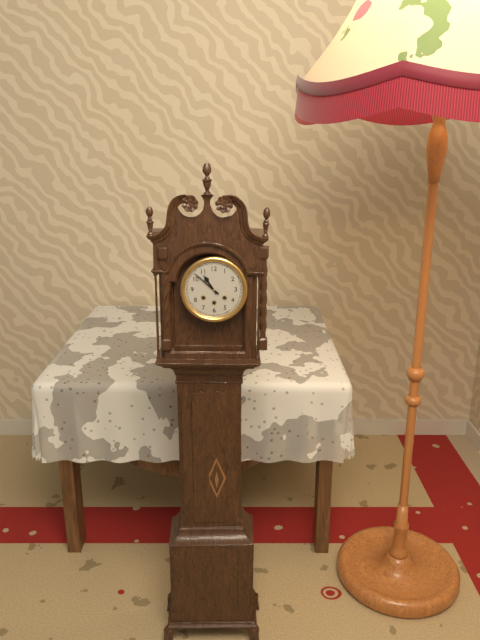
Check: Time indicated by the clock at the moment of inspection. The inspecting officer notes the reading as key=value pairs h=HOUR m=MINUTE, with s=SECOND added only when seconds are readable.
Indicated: h=10 m=52
